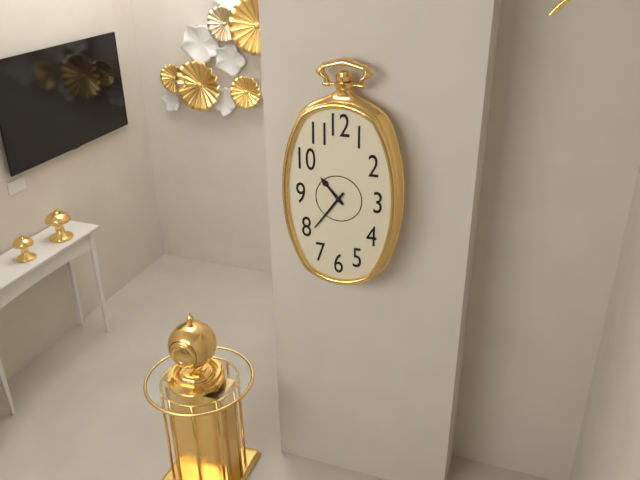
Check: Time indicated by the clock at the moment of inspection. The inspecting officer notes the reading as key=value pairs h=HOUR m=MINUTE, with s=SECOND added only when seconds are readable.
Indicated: h=10 m=36
